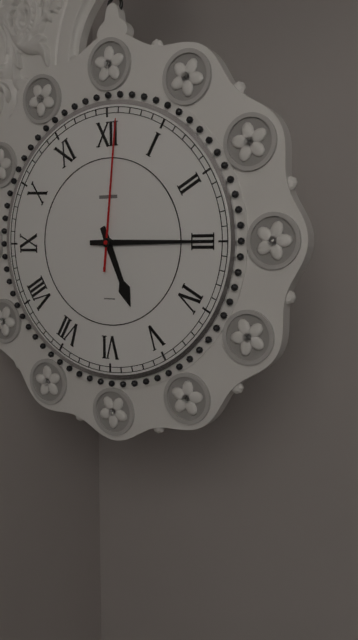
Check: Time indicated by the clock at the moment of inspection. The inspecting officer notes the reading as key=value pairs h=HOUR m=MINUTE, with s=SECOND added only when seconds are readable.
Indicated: h=5 m=15 s=1
